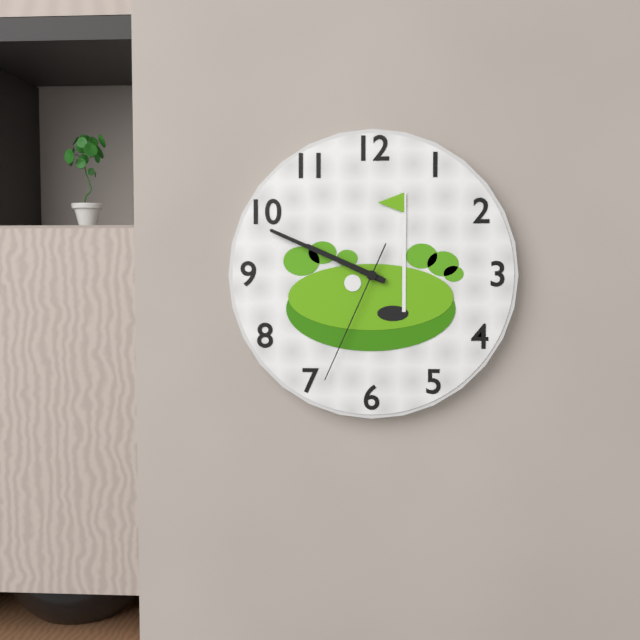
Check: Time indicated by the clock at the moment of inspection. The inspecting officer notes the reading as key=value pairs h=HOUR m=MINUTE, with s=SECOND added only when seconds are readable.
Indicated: h=9 m=49 s=34
